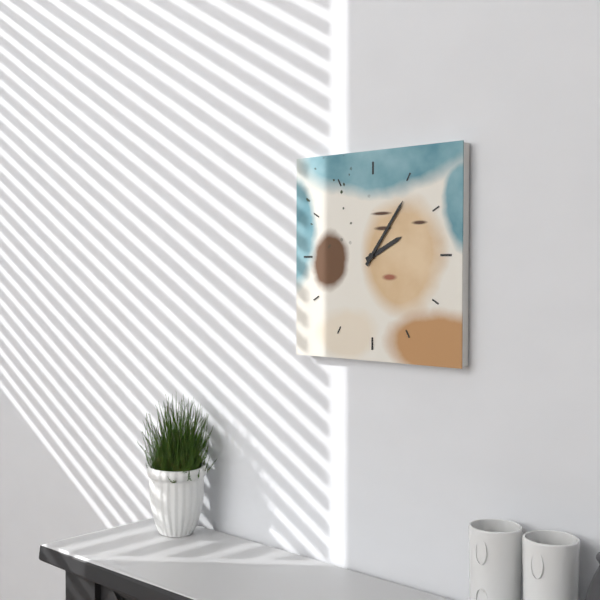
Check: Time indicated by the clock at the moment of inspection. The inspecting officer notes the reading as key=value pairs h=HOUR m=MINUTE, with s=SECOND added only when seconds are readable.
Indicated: h=2 m=6
